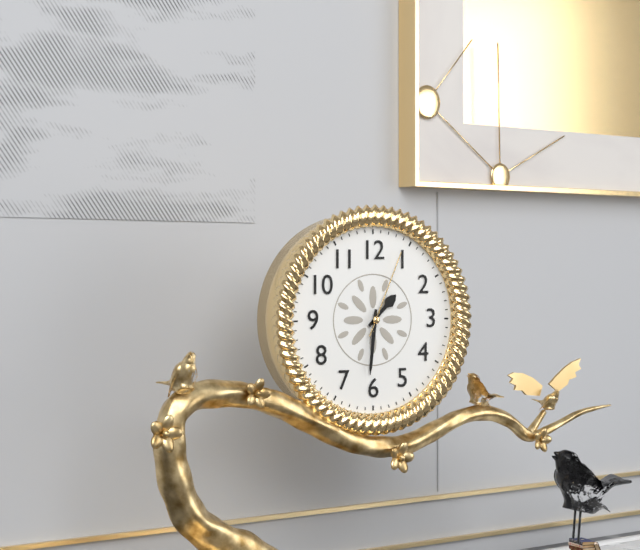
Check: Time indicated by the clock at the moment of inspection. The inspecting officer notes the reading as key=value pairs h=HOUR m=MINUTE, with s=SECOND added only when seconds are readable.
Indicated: h=1 m=31 s=4
